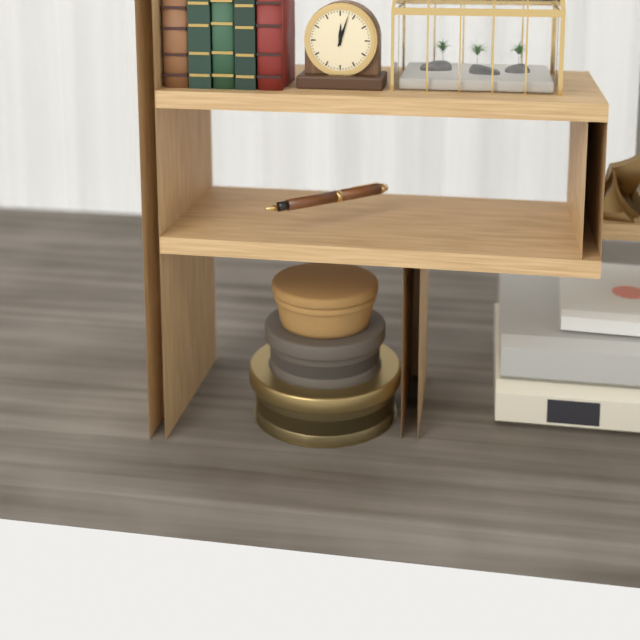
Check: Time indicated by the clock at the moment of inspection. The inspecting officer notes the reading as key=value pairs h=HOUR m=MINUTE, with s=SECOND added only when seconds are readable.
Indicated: h=12 m=3
